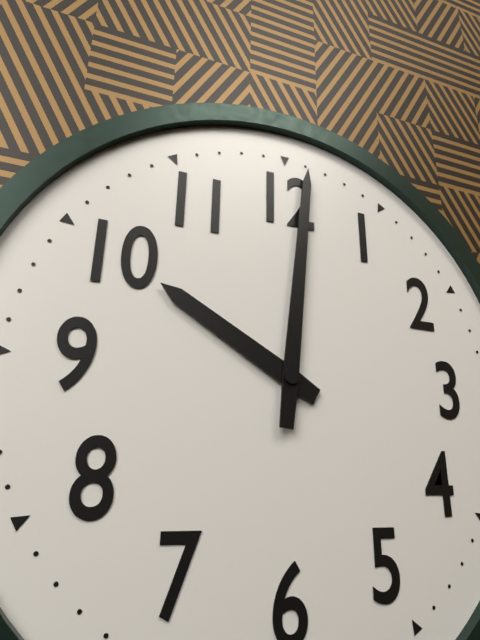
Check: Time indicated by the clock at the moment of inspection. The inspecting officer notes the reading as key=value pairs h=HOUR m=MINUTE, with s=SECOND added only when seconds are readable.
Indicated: h=10 m=1
